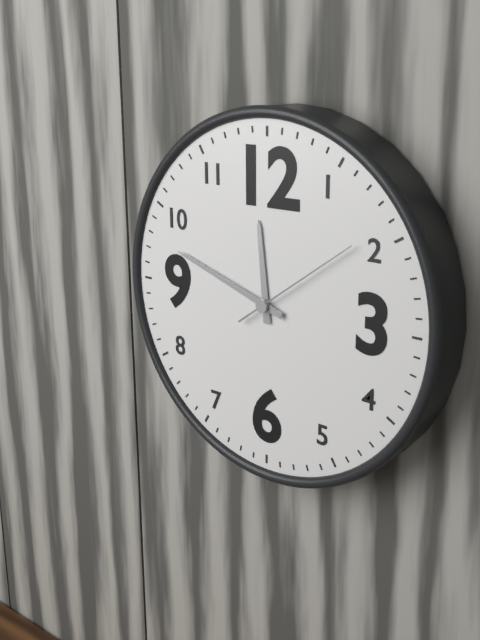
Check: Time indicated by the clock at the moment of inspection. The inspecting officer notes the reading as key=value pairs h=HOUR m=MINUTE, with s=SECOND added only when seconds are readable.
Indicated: h=11 m=48 s=9
